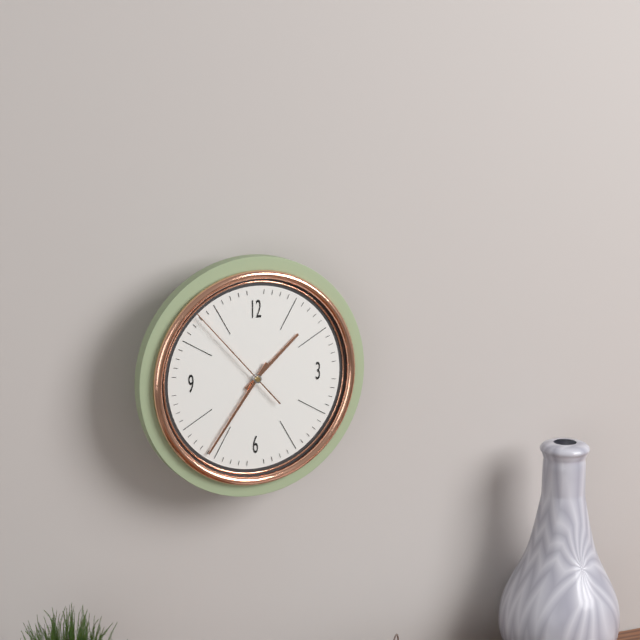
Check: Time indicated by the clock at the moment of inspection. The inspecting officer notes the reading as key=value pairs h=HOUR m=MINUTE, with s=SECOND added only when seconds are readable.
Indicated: h=1 m=36 s=53
